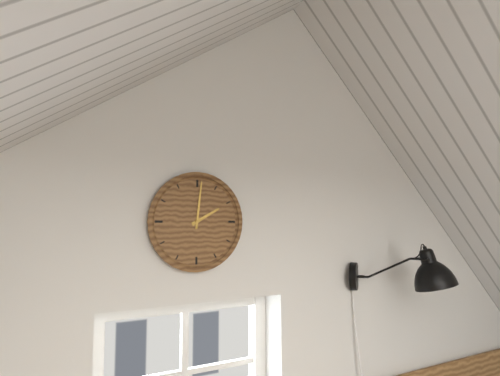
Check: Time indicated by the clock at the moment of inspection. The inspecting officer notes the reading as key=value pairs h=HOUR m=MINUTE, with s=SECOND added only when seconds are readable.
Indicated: h=2 m=1
